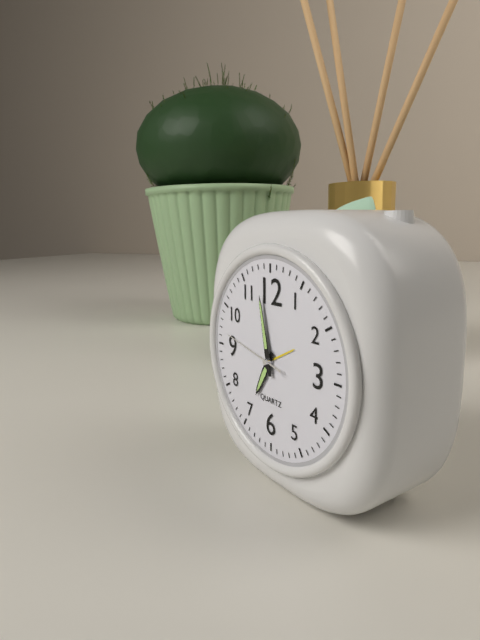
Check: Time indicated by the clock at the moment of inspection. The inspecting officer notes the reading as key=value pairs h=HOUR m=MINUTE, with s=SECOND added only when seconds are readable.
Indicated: h=6 m=58 s=47
